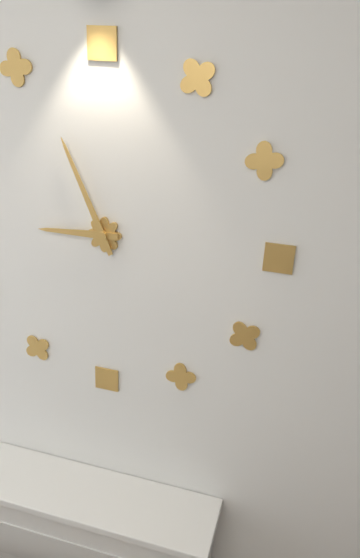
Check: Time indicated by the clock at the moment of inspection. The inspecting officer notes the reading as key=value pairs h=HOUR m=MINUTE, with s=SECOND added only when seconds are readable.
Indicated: h=8 m=56
